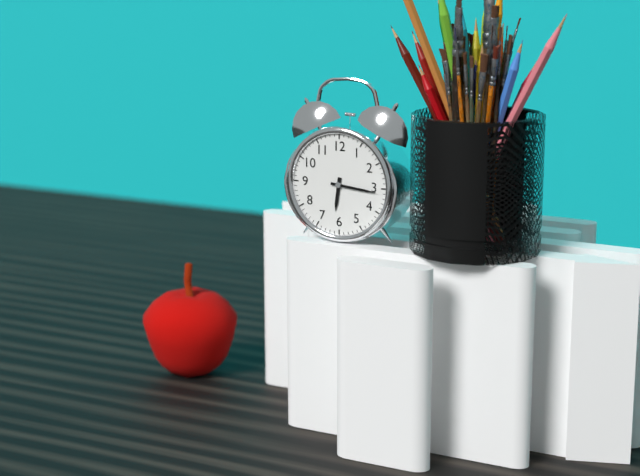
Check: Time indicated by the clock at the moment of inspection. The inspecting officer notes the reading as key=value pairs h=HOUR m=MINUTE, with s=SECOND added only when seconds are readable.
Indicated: h=6 m=16
